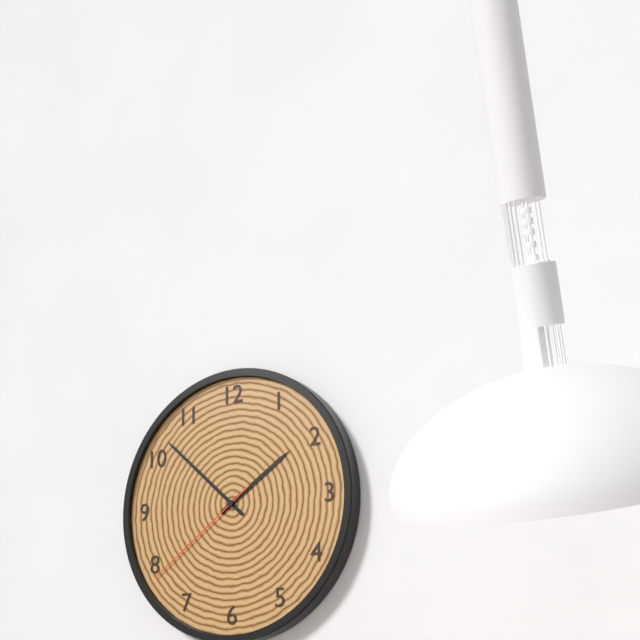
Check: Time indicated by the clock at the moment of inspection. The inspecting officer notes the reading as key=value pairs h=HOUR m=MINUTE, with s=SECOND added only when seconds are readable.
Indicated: h=1 m=52 s=39
